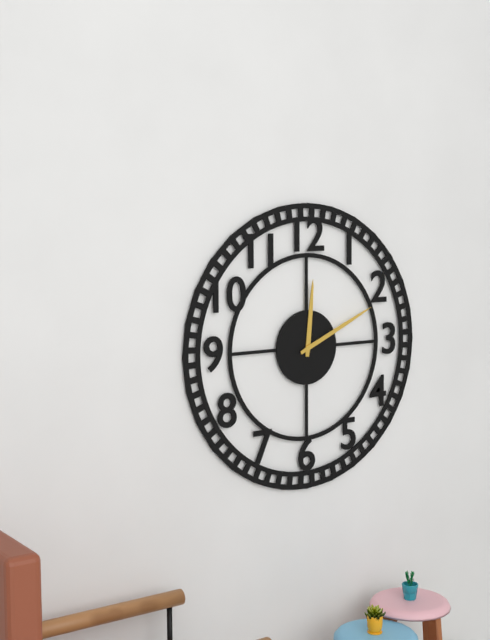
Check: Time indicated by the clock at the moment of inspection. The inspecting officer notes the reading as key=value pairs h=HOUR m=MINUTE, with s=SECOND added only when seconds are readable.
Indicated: h=12 m=11
